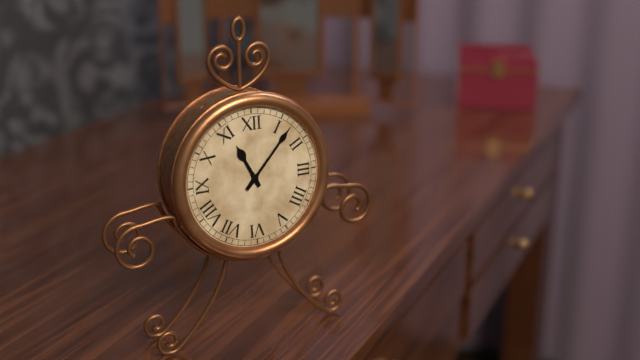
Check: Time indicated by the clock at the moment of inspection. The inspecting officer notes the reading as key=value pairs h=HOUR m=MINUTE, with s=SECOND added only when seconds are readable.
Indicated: h=11 m=7
